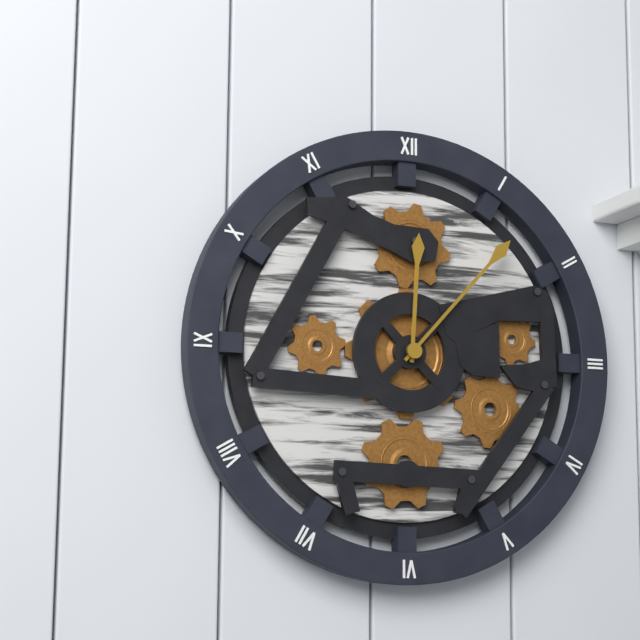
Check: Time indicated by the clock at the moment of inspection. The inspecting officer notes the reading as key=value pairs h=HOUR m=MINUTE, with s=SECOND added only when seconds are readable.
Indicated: h=12 m=7
